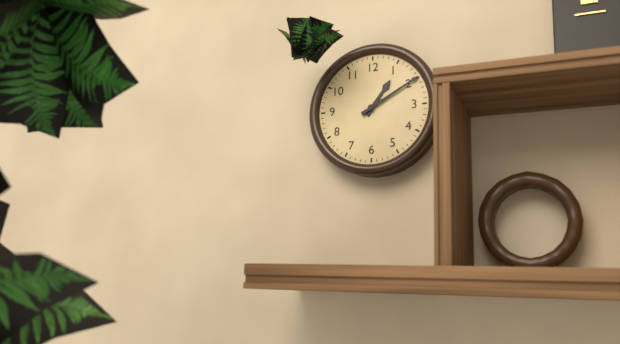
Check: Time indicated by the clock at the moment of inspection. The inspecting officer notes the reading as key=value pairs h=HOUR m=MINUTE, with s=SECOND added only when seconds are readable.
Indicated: h=1 m=10
